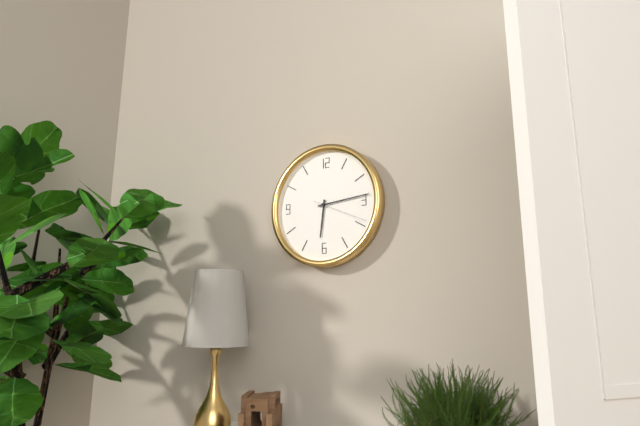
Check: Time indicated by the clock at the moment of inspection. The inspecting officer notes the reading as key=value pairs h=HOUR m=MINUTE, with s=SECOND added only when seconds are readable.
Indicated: h=6 m=14 s=19
